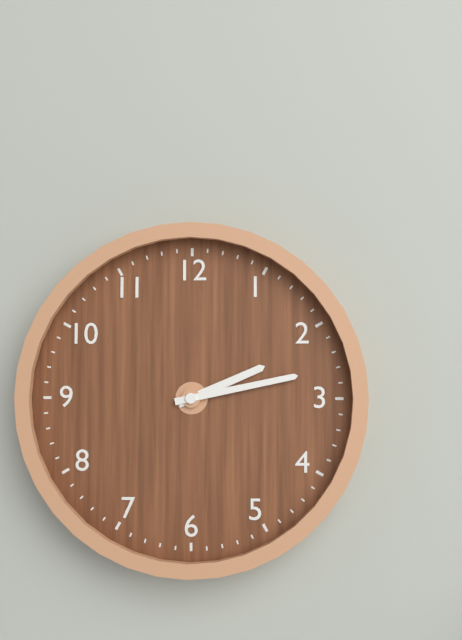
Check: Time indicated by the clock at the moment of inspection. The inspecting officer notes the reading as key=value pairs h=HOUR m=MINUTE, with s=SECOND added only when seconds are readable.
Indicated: h=2 m=13
